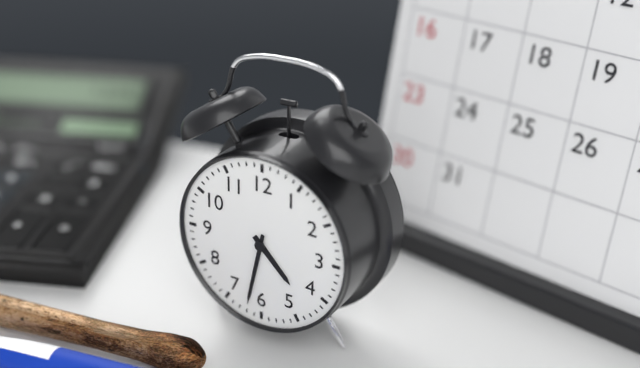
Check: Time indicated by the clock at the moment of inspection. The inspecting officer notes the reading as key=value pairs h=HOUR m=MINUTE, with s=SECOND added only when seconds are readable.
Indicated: h=4 m=32
